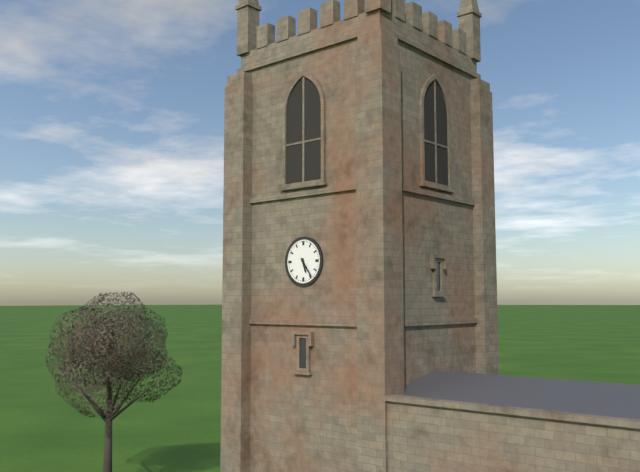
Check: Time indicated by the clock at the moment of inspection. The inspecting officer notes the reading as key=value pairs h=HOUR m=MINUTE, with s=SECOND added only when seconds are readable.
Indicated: h=5 m=24
